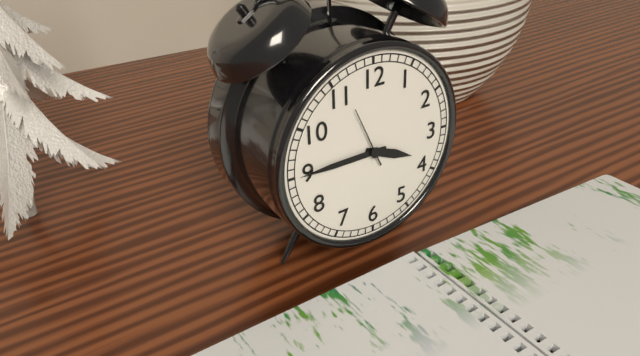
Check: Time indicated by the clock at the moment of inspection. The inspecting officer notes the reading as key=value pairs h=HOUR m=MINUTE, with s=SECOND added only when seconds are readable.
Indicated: h=3 m=45 s=56
